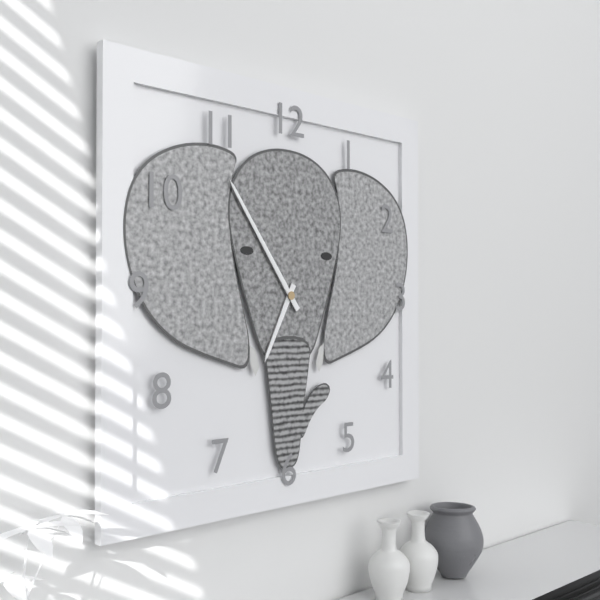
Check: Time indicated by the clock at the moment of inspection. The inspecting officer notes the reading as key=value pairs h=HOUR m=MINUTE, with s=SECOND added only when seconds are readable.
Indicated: h=6 m=54
